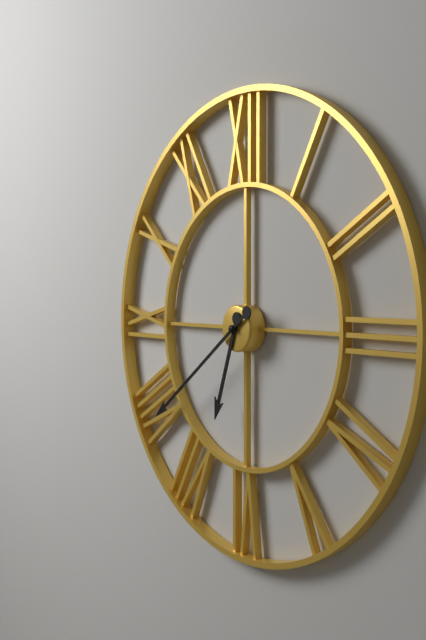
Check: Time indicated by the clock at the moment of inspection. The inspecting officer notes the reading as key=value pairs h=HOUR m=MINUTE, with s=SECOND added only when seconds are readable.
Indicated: h=6 m=39
